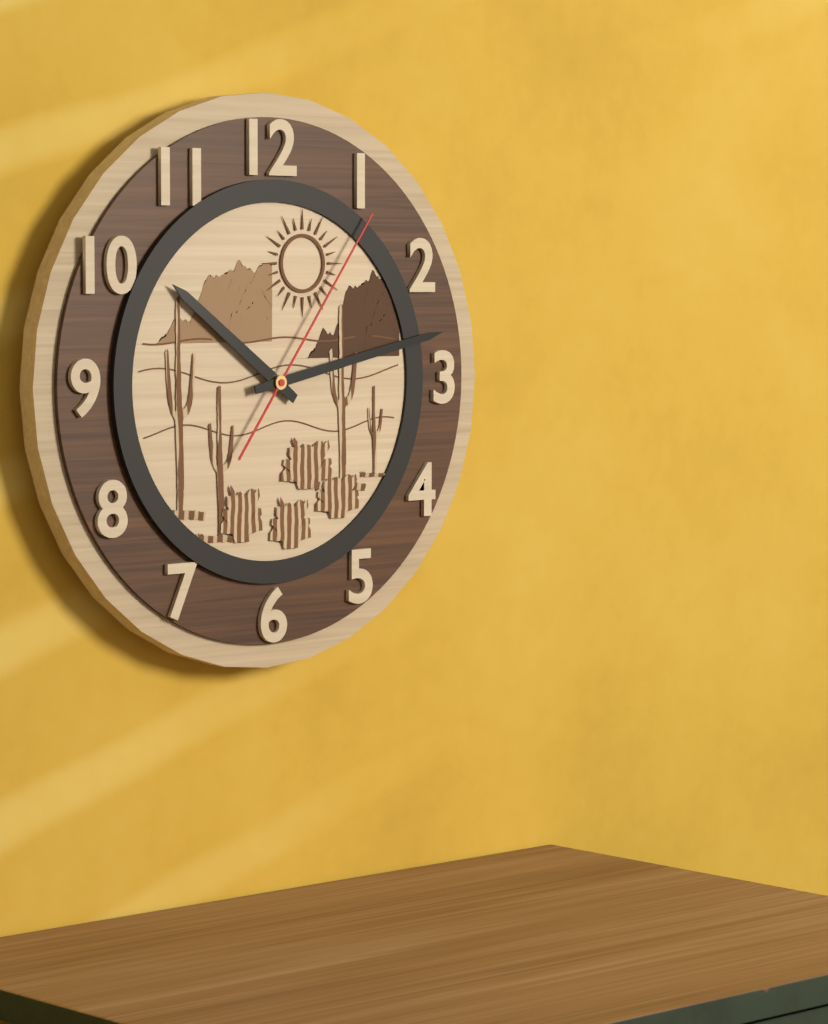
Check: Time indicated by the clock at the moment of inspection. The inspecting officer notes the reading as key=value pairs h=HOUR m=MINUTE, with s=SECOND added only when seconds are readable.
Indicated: h=10 m=13 s=6
